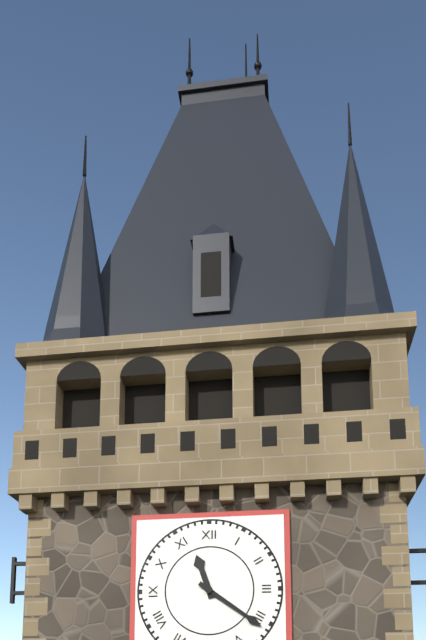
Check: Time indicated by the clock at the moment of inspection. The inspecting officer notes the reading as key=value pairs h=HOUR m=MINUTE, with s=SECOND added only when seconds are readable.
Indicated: h=11 m=21
